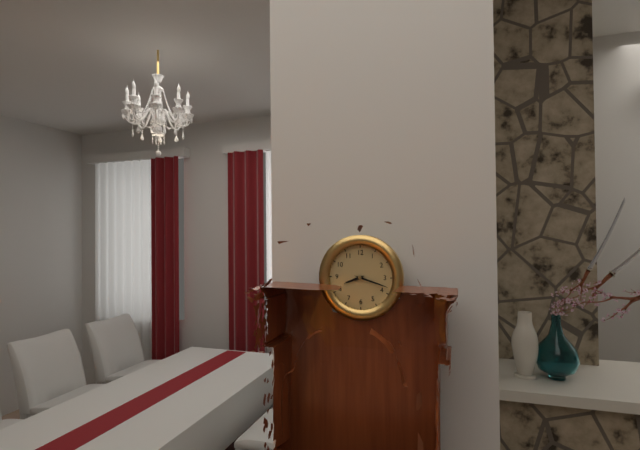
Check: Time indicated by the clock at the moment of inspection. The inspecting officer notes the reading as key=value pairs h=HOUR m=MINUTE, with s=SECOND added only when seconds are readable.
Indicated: h=8 m=18
